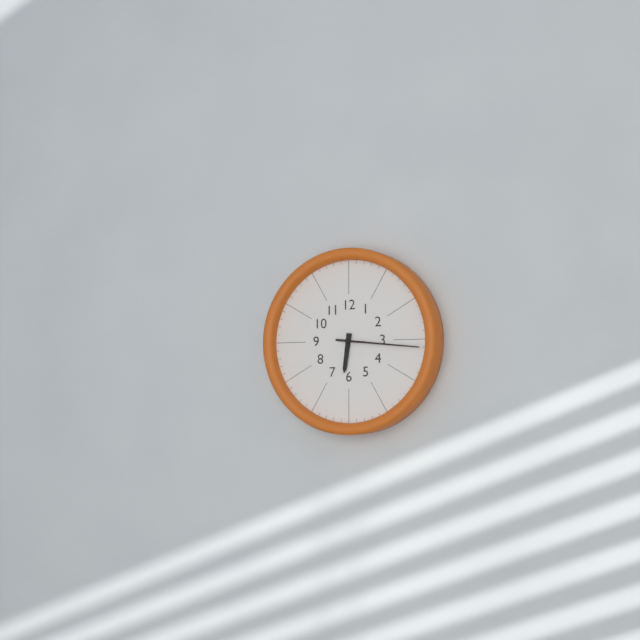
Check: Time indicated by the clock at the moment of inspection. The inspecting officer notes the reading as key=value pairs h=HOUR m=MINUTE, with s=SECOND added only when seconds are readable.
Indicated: h=6 m=16
